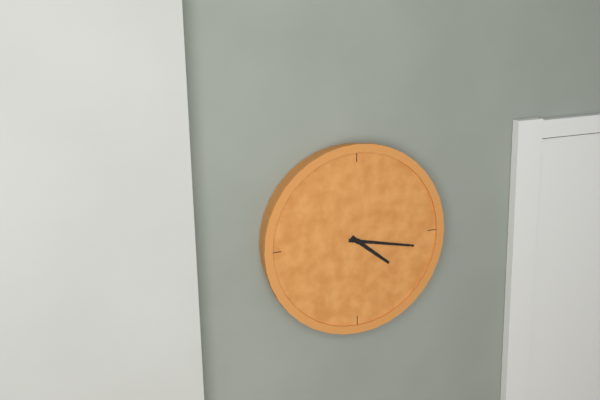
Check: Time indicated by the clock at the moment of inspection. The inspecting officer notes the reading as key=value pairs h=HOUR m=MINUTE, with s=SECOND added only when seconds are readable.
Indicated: h=4 m=17
